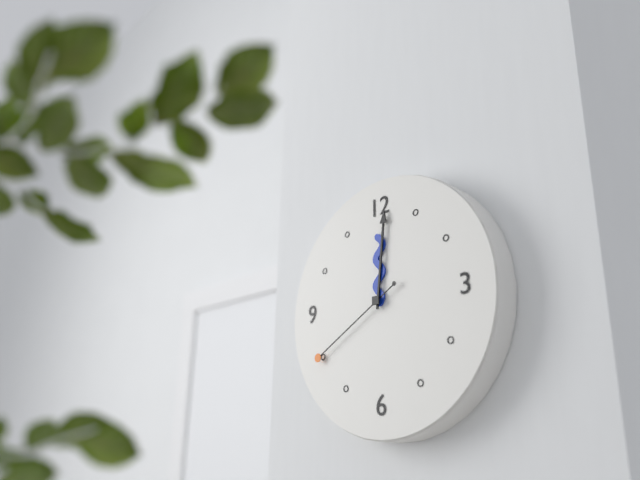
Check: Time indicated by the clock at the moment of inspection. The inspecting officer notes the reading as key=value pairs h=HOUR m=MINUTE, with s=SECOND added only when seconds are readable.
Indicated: h=12 m=1 s=40
